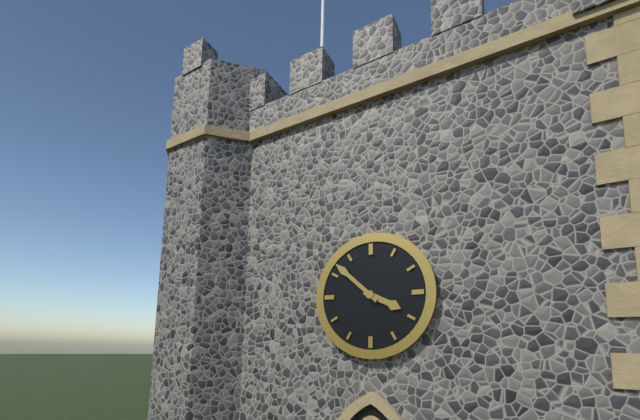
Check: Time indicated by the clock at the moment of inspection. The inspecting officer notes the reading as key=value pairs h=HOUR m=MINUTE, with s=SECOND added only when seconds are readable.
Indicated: h=3 m=52
